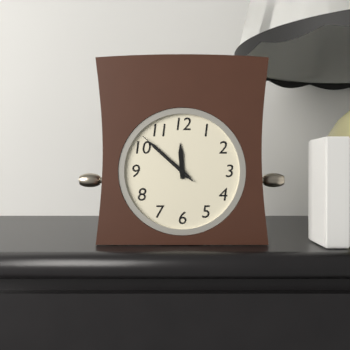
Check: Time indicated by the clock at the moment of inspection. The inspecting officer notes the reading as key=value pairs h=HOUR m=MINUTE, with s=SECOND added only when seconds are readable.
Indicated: h=11 m=52 s=52
